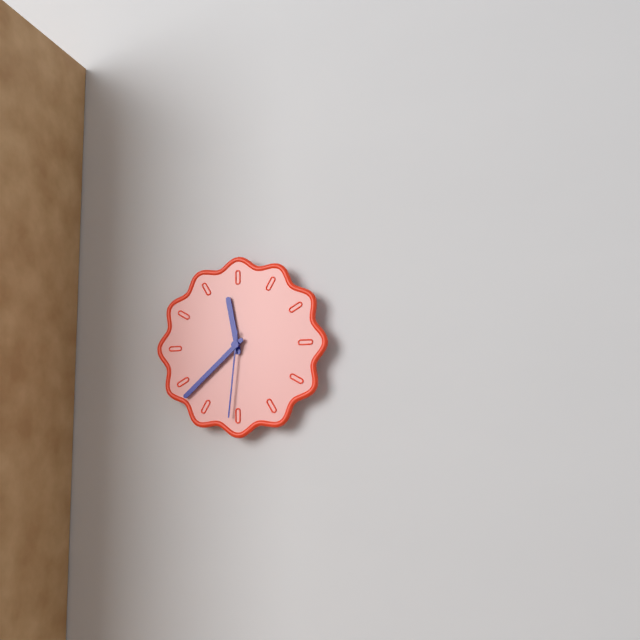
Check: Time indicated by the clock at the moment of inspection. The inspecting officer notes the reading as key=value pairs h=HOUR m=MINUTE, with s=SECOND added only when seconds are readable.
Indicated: h=11 m=38 s=31
